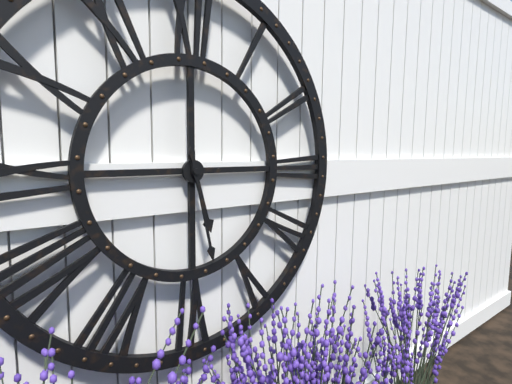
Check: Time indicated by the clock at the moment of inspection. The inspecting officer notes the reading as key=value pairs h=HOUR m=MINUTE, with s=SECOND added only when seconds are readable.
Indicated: h=5 m=28
